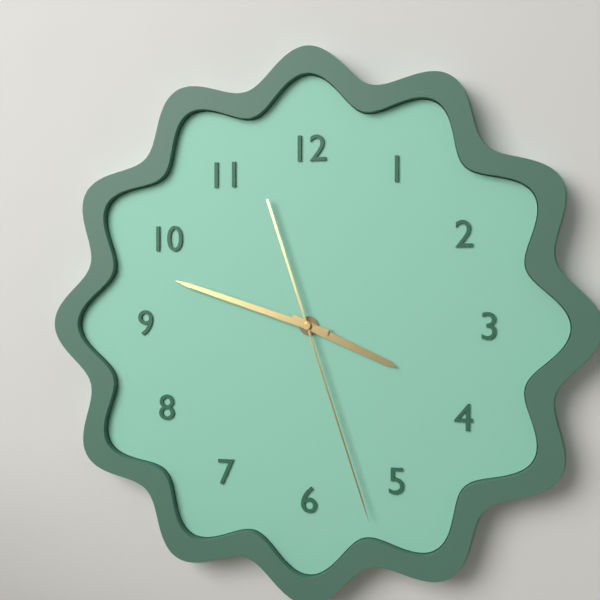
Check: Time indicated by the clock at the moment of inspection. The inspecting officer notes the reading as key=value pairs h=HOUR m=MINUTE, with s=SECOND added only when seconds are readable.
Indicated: h=3 m=48 s=27
